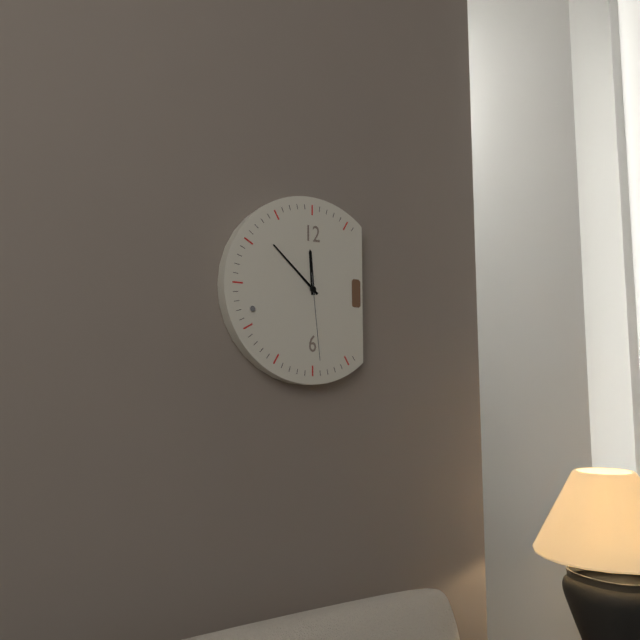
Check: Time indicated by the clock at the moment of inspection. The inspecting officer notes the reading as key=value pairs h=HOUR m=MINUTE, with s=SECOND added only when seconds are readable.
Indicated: h=11 m=52 s=29
